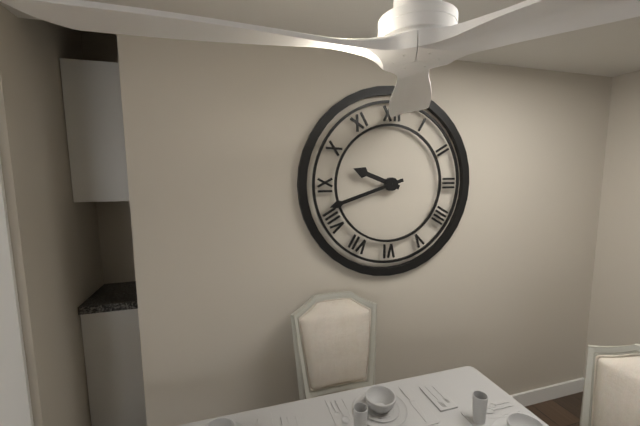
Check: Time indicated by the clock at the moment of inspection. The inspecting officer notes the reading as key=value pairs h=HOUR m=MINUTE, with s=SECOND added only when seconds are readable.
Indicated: h=9 m=42
